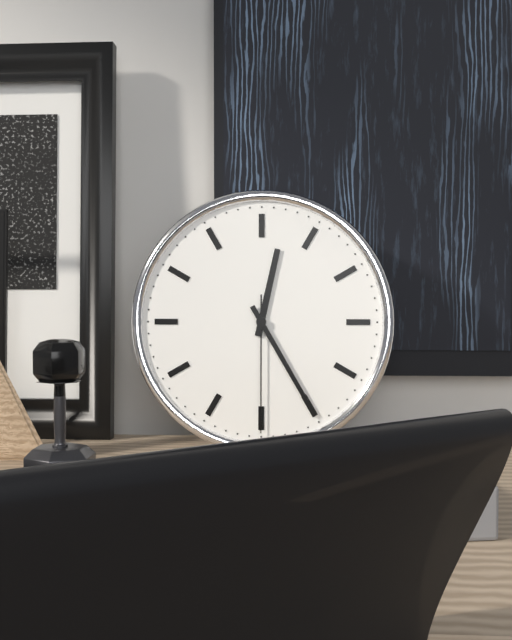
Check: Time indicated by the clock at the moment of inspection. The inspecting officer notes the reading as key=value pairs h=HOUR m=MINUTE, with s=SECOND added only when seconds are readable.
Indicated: h=12 m=25 s=30
